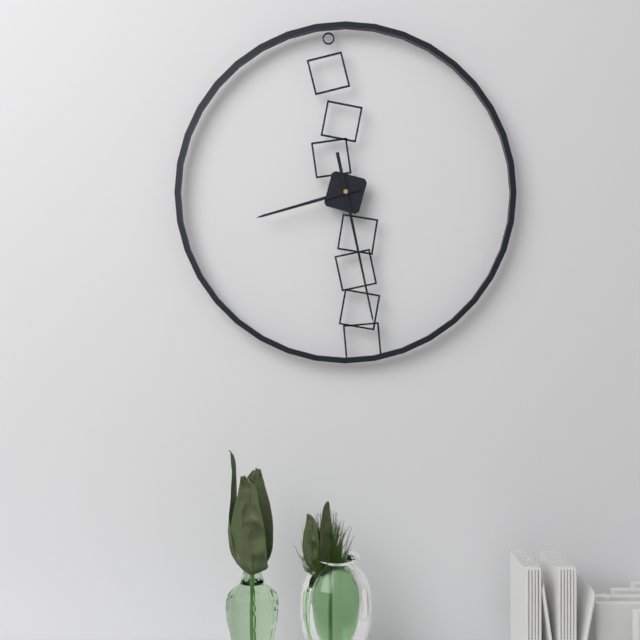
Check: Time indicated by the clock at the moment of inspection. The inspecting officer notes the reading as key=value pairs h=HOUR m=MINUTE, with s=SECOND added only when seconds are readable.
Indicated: h=8 m=28
